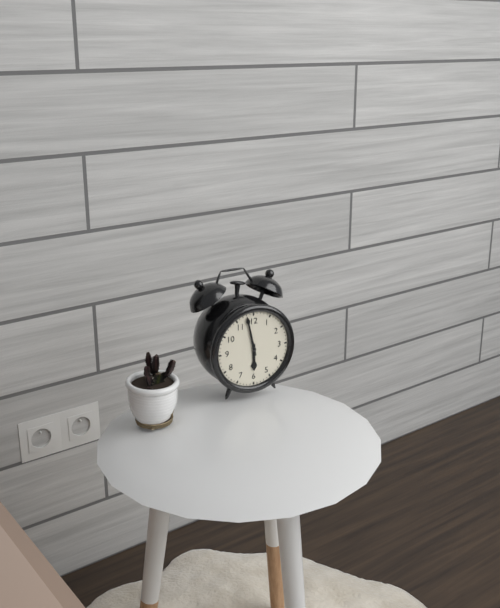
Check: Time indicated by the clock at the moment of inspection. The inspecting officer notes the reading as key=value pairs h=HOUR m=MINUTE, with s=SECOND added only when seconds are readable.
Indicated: h=5 m=58
